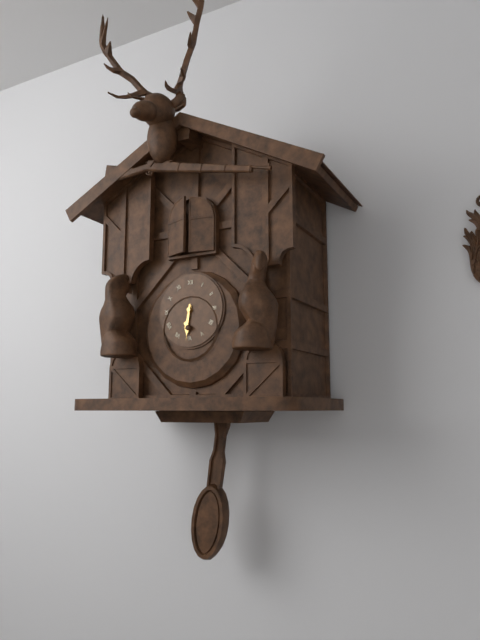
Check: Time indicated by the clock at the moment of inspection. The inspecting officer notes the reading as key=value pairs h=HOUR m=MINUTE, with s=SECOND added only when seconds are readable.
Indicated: h=6 m=31
